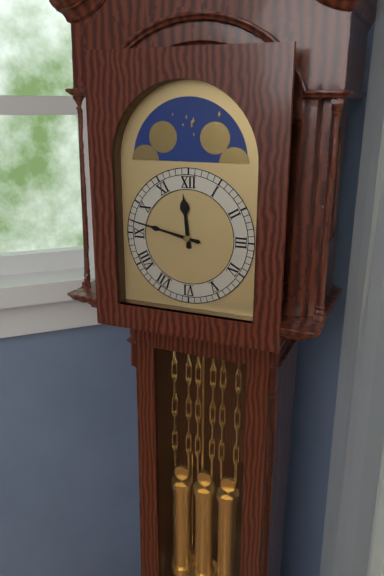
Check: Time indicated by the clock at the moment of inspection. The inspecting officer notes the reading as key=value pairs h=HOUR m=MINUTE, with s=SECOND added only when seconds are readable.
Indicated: h=11 m=47
